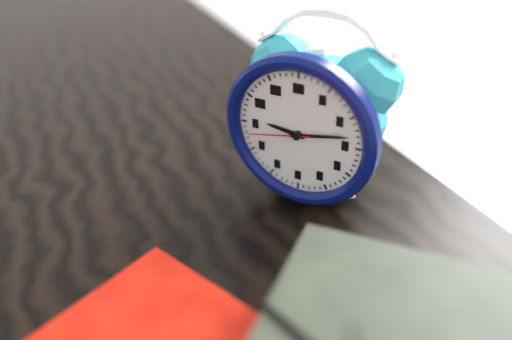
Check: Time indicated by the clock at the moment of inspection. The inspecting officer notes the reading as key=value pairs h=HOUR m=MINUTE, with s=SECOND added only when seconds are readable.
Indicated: h=9 m=13 s=43
